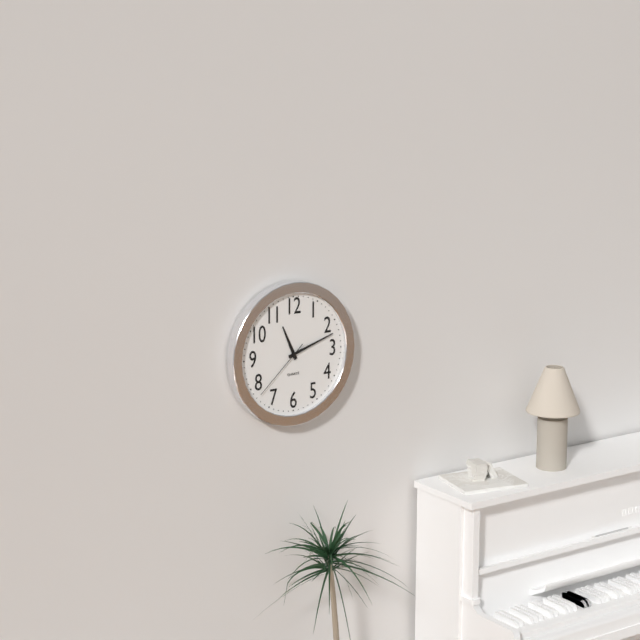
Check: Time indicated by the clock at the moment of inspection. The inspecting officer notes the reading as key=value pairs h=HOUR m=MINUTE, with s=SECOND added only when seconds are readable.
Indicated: h=11 m=12 s=38
